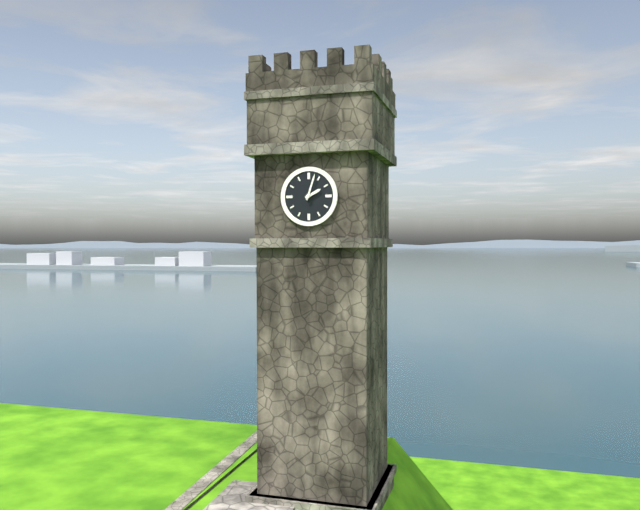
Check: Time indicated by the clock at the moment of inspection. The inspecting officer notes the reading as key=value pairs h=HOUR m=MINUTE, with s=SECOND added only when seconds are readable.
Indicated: h=2 m=3
